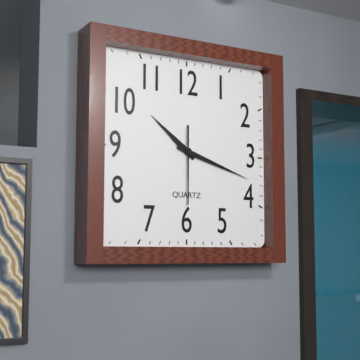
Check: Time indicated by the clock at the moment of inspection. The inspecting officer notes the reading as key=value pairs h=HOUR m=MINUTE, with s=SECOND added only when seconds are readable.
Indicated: h=10 m=18 s=30
